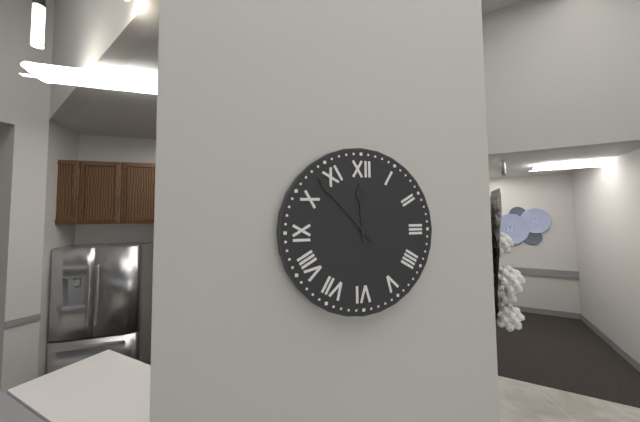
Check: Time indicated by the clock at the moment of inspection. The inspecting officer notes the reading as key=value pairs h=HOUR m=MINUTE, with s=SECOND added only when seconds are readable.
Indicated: h=11 m=53
